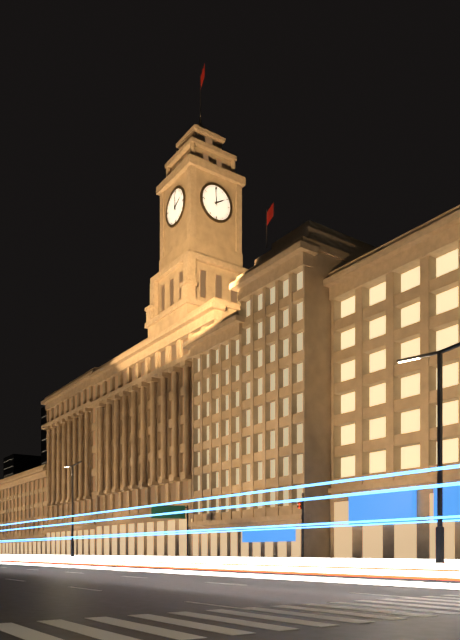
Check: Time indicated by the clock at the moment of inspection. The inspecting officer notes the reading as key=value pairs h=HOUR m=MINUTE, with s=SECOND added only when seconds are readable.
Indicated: h=1 m=59
